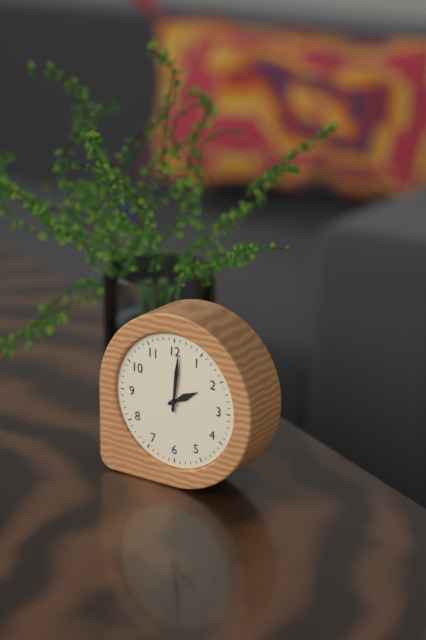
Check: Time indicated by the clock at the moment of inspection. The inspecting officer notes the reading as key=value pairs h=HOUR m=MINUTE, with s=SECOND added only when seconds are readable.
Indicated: h=2 m=1
